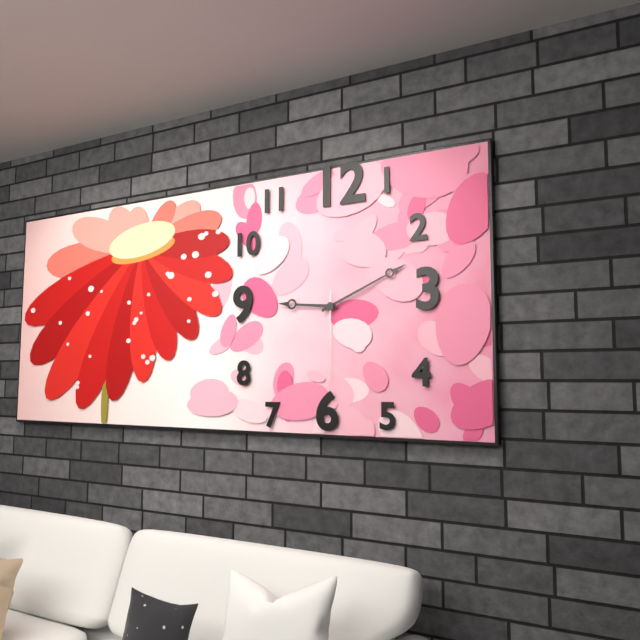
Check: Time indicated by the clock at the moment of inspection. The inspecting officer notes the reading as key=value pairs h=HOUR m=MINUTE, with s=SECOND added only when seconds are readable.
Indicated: h=9 m=11 s=30
